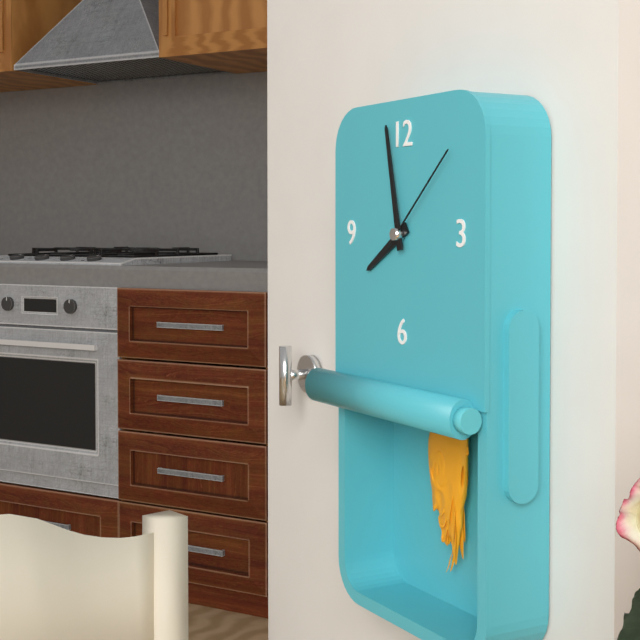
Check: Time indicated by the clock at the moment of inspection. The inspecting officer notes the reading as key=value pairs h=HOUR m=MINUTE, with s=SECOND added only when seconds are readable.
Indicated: h=7 m=58 s=8
